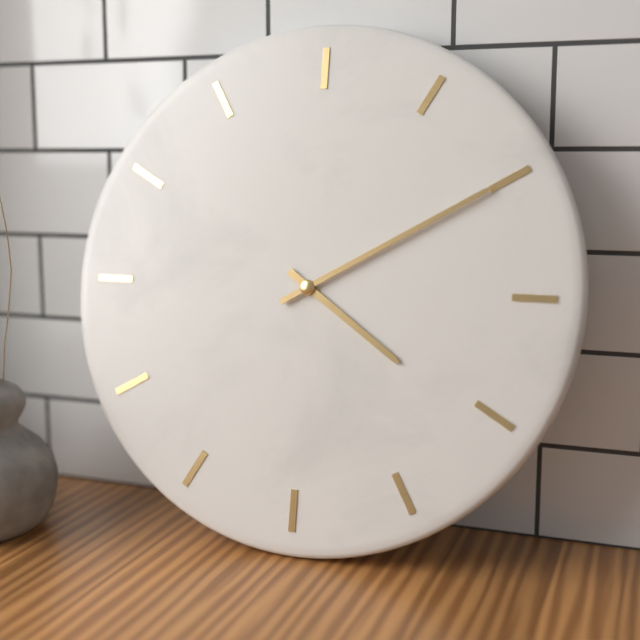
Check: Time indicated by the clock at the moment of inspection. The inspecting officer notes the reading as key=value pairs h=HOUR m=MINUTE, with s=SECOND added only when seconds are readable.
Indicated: h=4 m=10
